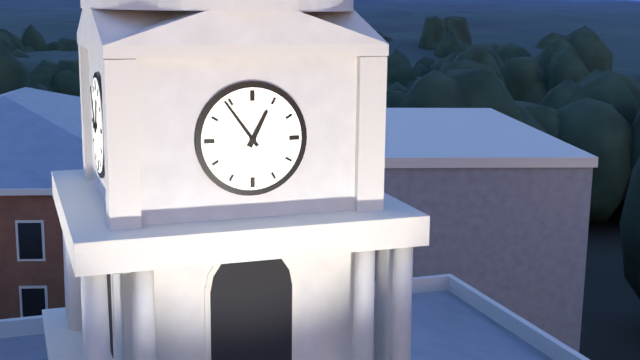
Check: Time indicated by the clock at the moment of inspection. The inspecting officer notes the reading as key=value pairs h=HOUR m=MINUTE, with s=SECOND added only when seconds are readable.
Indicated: h=12 m=54
